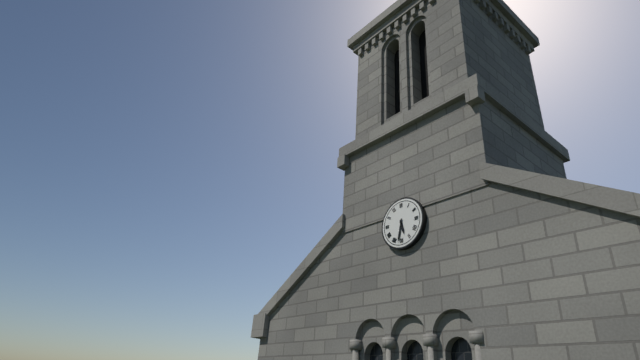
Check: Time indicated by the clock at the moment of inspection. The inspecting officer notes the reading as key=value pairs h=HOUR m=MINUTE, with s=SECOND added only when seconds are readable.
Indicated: h=5 m=32
